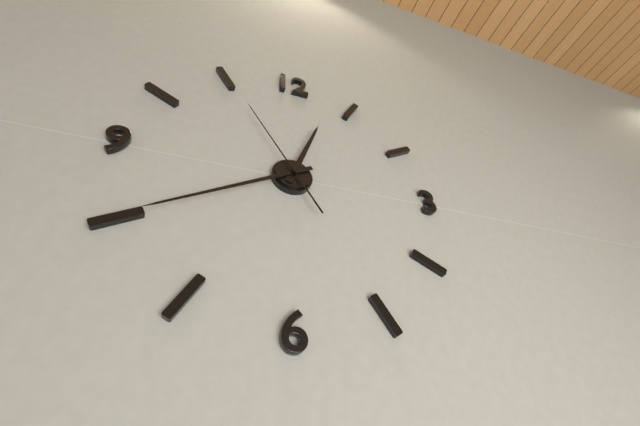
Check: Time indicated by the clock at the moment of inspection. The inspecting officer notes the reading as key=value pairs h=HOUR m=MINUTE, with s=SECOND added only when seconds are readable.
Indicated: h=12 m=40 s=55
